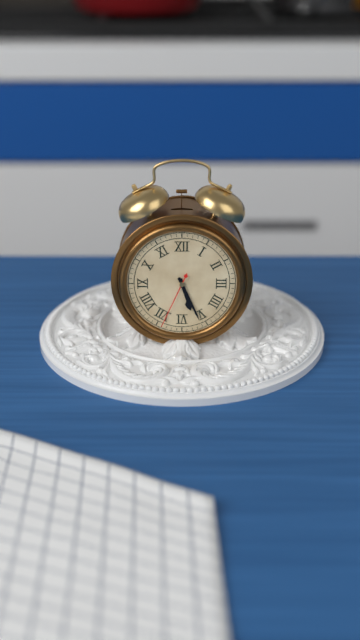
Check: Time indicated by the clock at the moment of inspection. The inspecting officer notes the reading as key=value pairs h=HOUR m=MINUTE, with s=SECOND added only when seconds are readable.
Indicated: h=5 m=26 s=34
